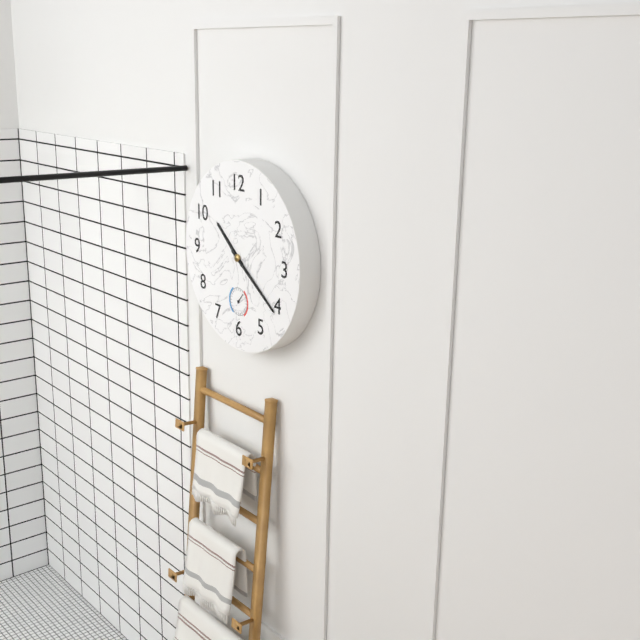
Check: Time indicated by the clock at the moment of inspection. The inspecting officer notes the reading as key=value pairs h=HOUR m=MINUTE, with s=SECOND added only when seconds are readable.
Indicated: h=10 m=21
